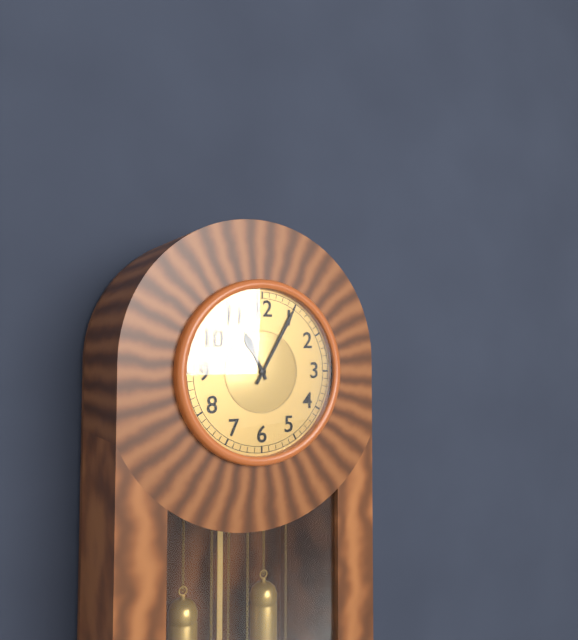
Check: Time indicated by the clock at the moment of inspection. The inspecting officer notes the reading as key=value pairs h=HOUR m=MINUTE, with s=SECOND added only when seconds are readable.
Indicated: h=11 m=5
